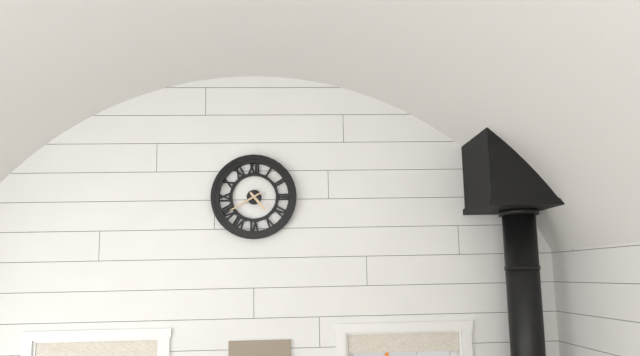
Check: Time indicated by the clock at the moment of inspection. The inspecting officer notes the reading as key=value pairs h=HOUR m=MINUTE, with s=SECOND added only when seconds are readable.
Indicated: h=4 m=40
